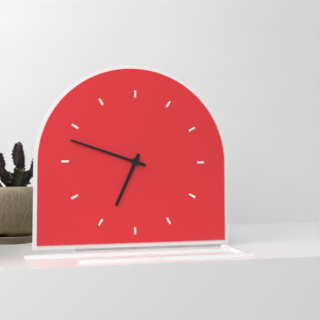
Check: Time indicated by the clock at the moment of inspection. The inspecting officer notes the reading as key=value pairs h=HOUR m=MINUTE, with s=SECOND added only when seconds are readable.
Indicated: h=6 m=48
